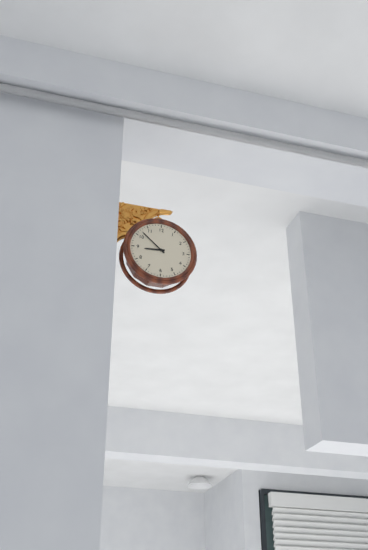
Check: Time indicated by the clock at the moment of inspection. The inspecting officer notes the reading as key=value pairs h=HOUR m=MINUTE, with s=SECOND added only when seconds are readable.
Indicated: h=8 m=52
